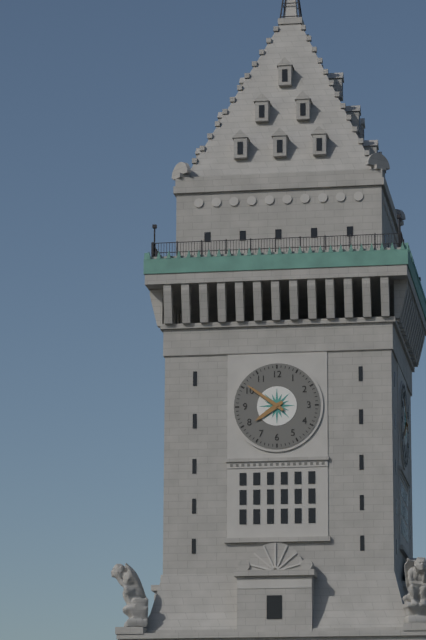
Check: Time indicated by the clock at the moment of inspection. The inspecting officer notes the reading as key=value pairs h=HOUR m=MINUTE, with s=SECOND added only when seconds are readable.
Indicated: h=7 m=51
